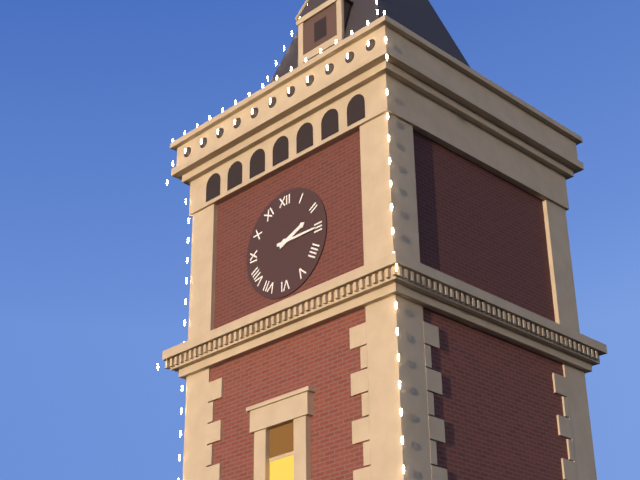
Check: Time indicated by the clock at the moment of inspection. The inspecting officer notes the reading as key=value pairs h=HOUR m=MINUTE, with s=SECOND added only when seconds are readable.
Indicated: h=2 m=15
